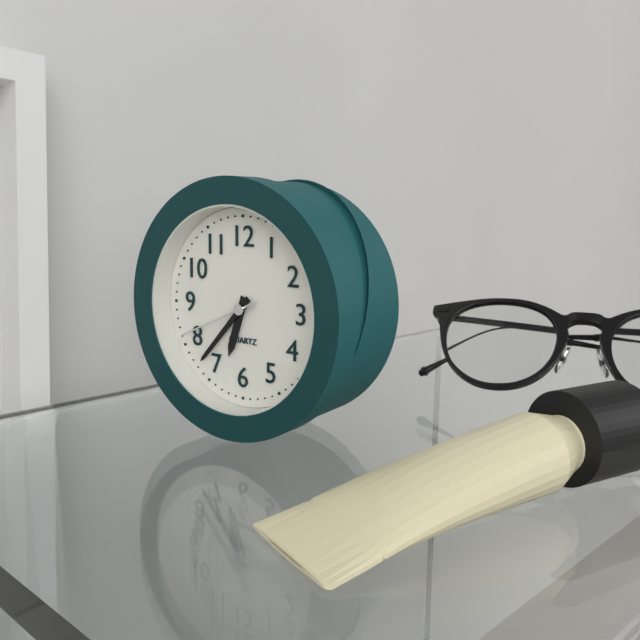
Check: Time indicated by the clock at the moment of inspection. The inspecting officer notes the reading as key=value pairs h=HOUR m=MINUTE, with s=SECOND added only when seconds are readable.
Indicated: h=6 m=37 s=41
